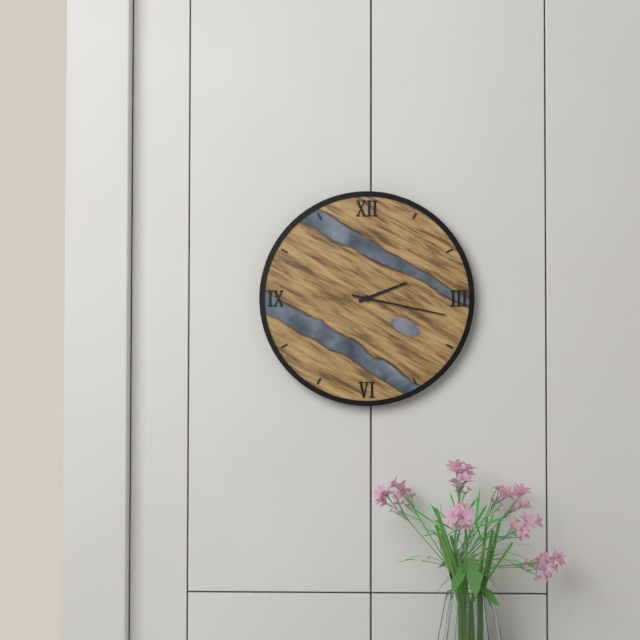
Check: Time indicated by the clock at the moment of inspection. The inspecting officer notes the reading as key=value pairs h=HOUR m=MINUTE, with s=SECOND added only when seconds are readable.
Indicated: h=2 m=17
